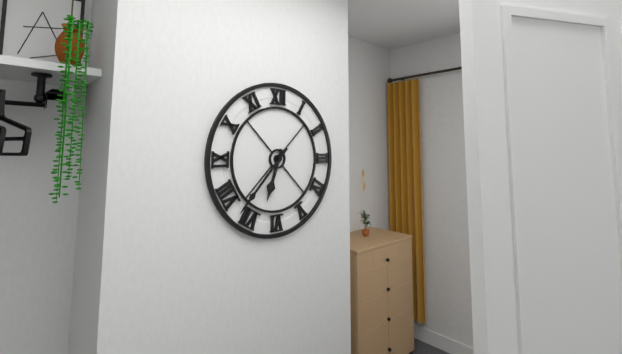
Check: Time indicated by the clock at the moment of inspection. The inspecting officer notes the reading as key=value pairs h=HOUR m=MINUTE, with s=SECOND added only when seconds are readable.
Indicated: h=6 m=37
